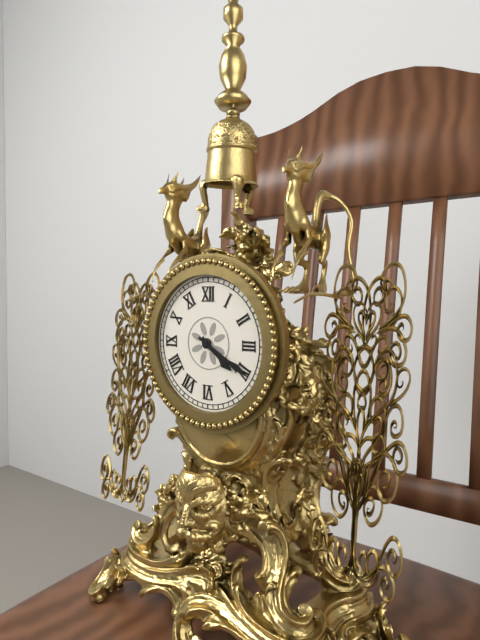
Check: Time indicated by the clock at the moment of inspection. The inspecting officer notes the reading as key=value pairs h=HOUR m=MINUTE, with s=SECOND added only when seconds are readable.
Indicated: h=4 m=20
